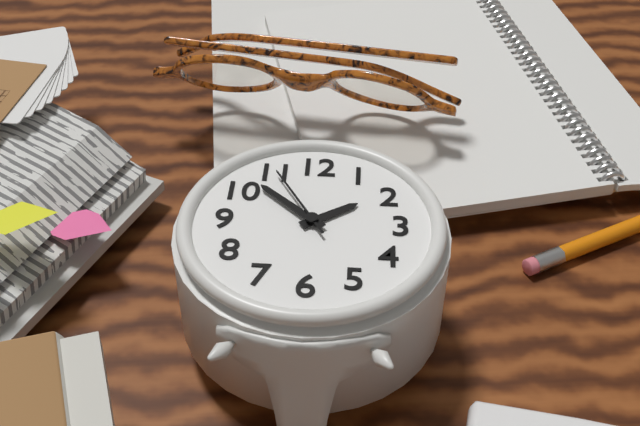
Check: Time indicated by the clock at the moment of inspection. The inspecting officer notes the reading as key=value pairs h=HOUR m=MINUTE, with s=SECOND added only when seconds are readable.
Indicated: h=1 m=52 s=55
